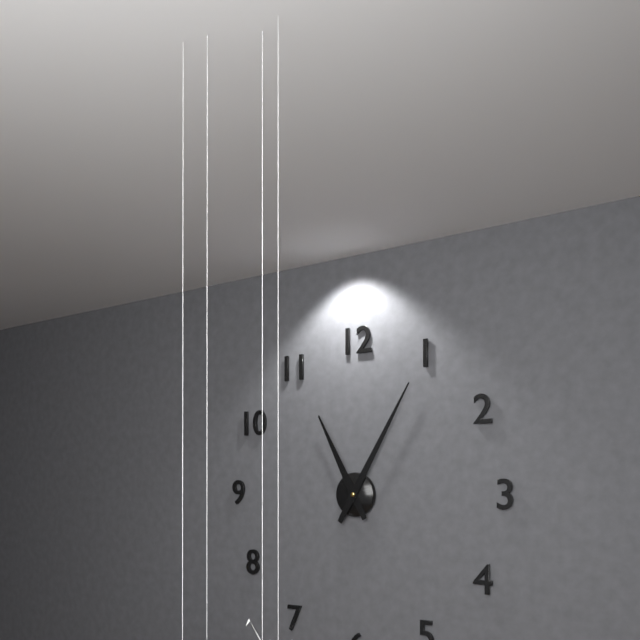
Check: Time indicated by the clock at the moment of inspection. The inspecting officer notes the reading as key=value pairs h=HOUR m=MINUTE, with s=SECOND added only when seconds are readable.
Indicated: h=11 m=5
